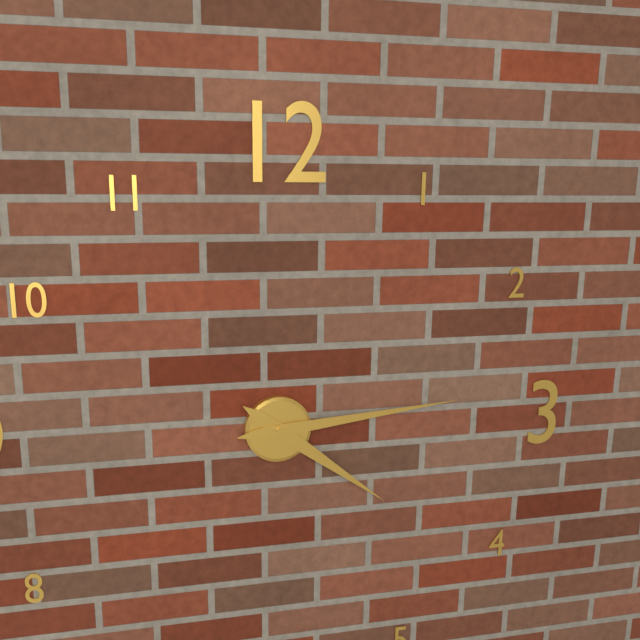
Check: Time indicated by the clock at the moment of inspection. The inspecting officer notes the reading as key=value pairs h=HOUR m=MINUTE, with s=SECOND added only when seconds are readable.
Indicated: h=4 m=14
